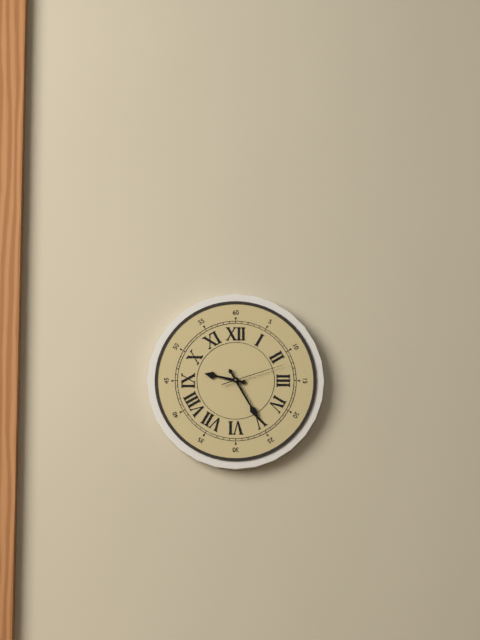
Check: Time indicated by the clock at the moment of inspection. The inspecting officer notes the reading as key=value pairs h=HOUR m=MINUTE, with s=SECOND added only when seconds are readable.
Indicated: h=9 m=25 s=12
